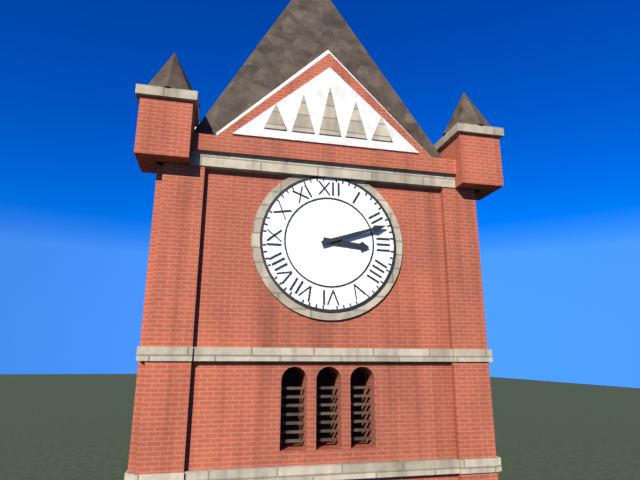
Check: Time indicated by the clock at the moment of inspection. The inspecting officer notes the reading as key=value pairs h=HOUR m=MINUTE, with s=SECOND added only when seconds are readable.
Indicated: h=3 m=12
